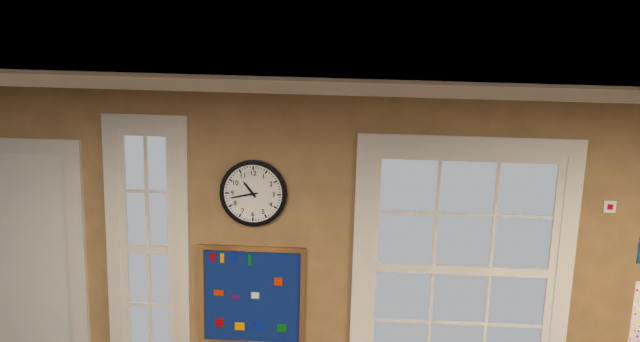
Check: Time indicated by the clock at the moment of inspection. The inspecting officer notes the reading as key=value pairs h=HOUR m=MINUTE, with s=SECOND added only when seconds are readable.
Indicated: h=10 m=43
